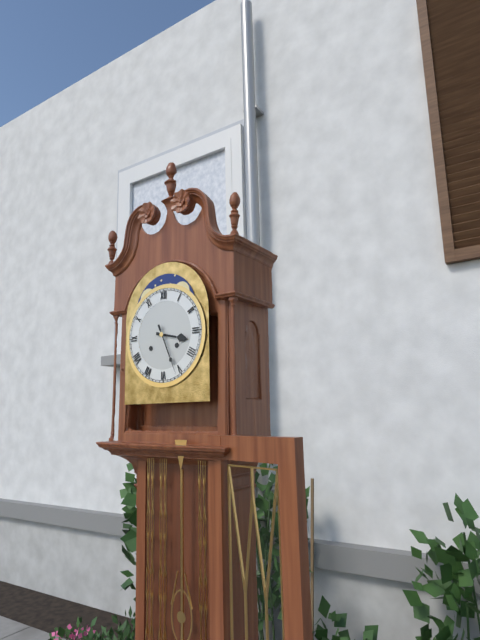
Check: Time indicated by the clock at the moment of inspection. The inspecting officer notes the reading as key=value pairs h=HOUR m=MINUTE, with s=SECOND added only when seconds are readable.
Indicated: h=3 m=26
